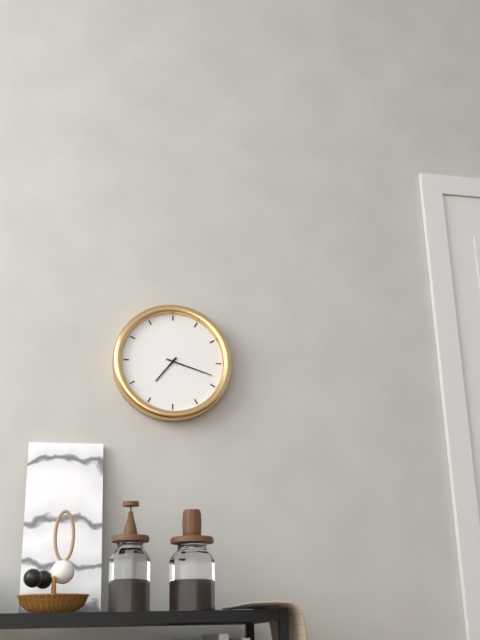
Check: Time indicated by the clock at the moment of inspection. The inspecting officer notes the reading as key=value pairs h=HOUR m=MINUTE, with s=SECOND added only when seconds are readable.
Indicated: h=7 m=18
